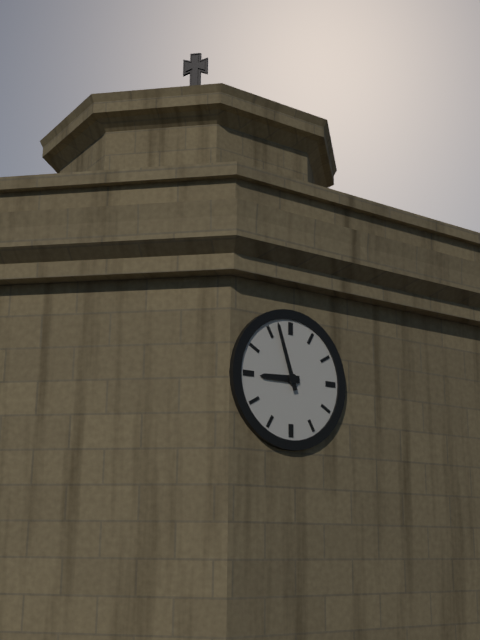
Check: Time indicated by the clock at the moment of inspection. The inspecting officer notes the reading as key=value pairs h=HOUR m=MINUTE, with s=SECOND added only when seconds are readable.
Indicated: h=8 m=57
